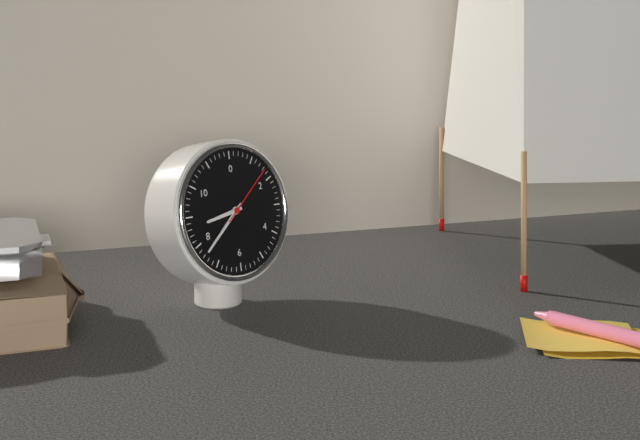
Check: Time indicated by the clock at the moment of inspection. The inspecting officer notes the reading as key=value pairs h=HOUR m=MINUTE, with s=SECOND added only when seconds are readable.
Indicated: h=8 m=38 s=8
